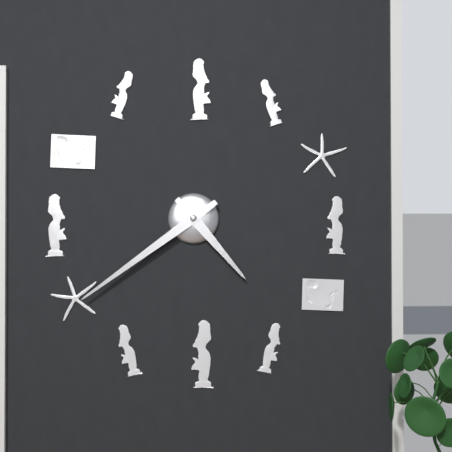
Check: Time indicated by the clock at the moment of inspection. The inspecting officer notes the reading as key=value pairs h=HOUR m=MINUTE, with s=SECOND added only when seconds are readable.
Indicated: h=4 m=39
